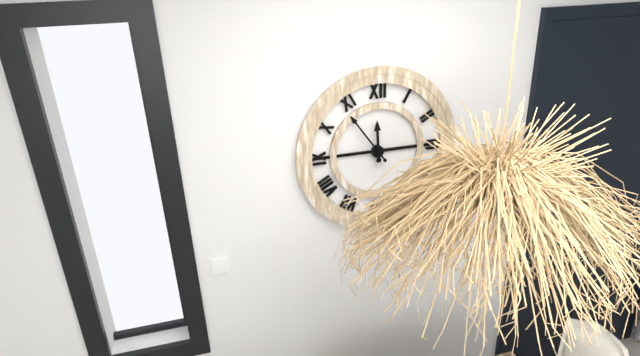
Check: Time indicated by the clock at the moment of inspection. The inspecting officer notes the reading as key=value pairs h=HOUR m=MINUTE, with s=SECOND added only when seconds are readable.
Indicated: h=11 m=54
